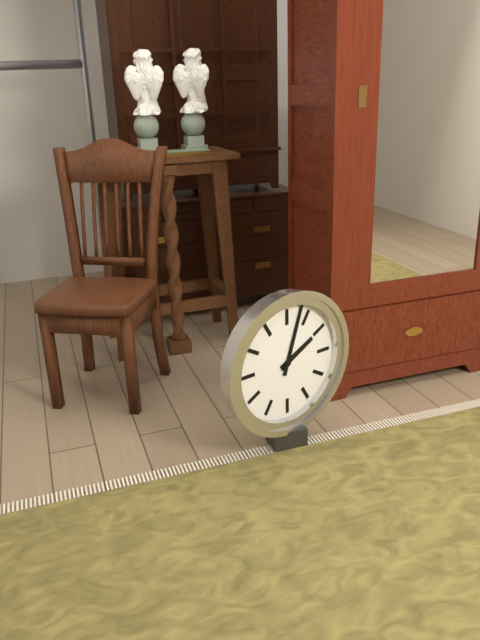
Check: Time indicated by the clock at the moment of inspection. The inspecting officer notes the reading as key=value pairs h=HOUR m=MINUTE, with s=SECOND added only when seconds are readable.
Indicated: h=2 m=3
